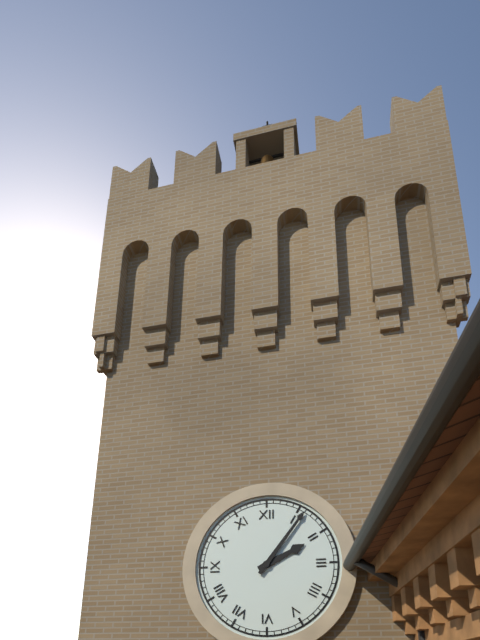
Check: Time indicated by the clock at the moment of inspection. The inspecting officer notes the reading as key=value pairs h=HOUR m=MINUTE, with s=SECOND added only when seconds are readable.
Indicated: h=2 m=6
